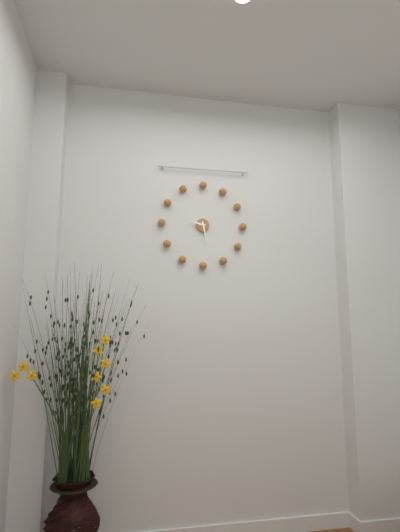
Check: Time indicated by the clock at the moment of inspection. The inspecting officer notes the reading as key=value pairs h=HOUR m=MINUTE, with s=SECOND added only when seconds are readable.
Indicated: h=9 m=28
